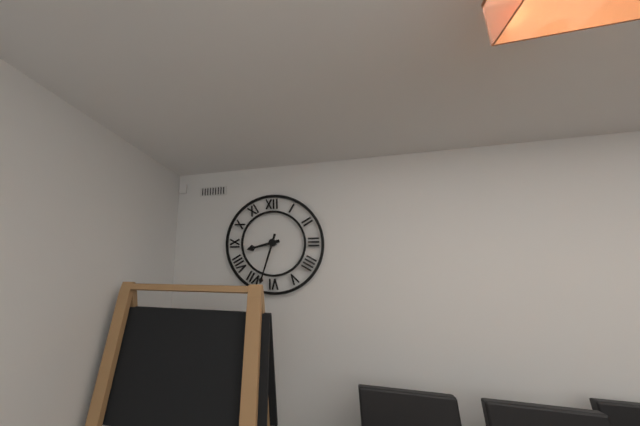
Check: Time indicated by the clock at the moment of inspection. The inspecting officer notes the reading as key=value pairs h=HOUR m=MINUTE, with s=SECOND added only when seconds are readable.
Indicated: h=8 m=33
